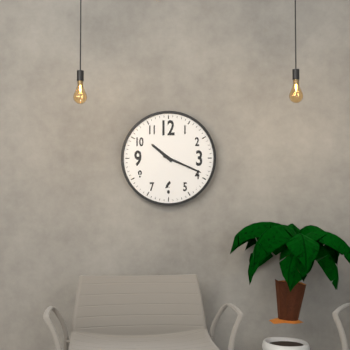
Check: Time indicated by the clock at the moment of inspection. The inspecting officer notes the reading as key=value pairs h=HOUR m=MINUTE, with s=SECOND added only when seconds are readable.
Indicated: h=10 m=19
